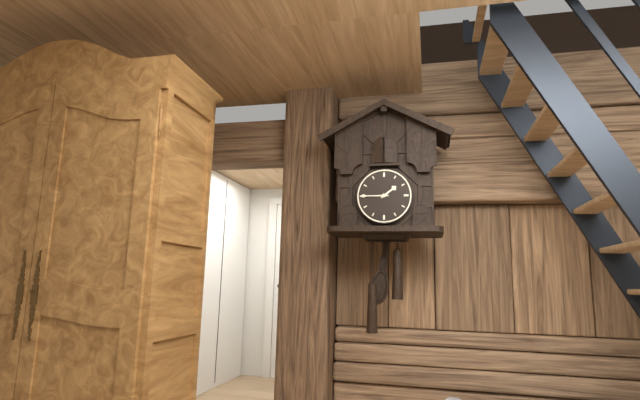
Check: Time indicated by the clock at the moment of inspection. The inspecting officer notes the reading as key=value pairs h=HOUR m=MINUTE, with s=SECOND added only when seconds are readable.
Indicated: h=1 m=45
